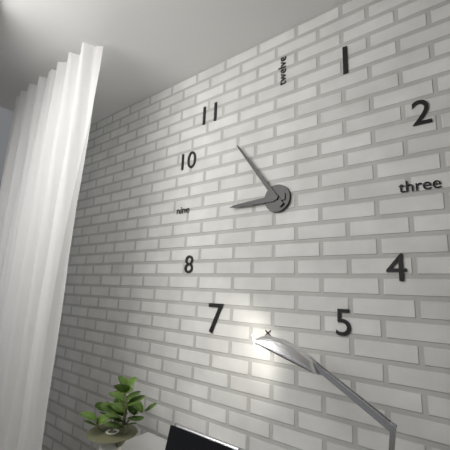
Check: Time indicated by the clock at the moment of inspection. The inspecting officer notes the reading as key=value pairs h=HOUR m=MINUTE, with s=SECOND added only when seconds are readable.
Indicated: h=8 m=54
